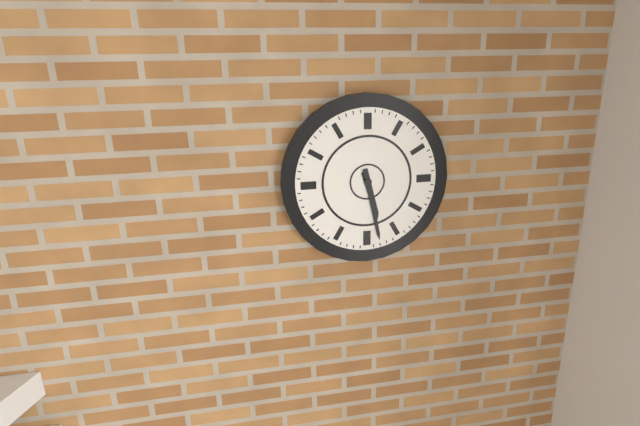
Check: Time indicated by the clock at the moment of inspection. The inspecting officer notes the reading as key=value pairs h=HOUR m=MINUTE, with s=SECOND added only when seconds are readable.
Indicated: h=5 m=28
